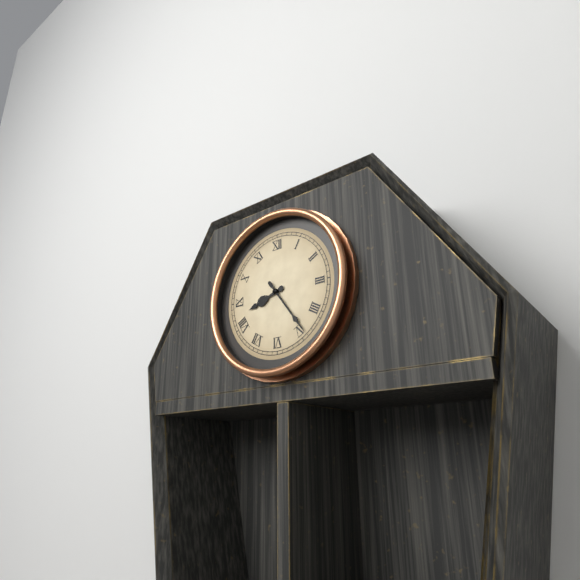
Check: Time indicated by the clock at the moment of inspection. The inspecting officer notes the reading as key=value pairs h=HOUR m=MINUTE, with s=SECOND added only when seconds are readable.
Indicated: h=8 m=24
